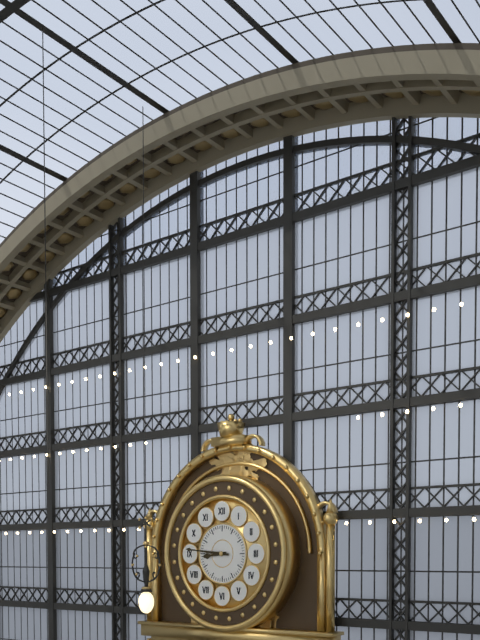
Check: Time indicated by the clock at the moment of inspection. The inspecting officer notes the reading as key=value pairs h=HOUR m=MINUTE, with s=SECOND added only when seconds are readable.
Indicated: h=8 m=46
